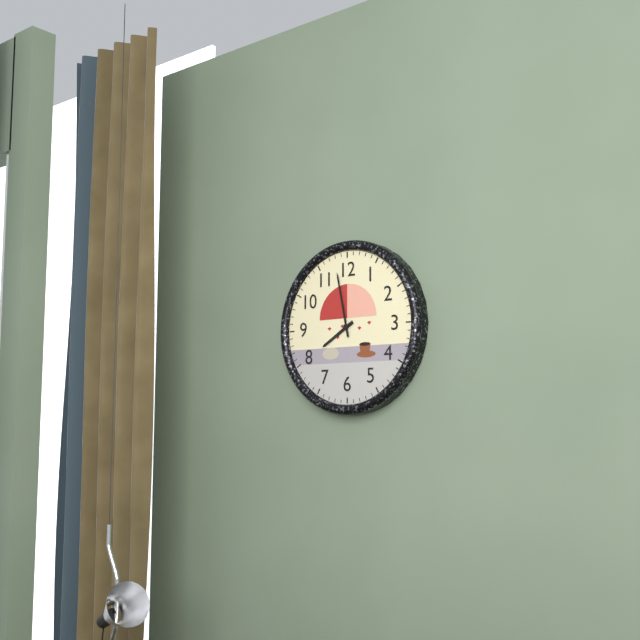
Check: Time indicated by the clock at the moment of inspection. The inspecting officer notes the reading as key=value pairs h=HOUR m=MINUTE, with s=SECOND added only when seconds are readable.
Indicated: h=7 m=58
